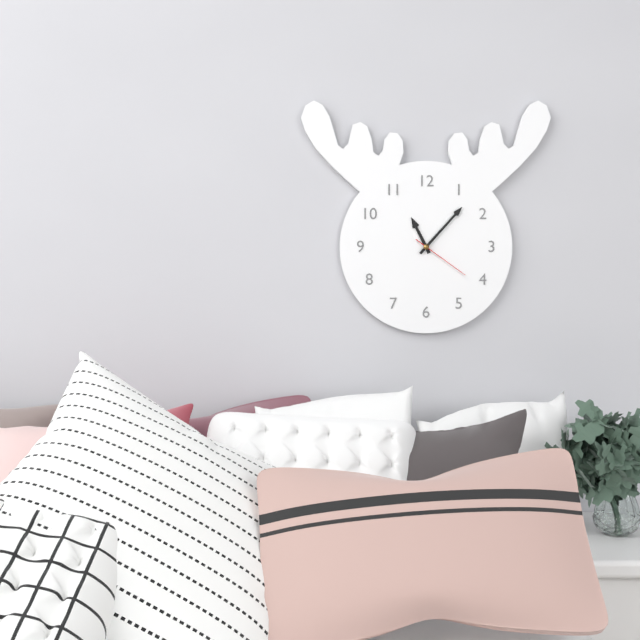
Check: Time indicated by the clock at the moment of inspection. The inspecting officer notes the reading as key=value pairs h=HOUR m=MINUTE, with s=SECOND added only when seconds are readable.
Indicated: h=11 m=7 s=21
